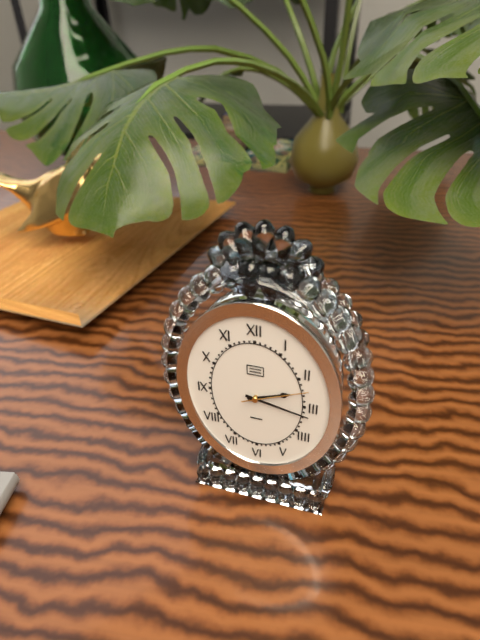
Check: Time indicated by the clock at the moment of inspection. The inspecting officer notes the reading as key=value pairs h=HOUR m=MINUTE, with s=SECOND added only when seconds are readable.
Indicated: h=2 m=17 s=11
